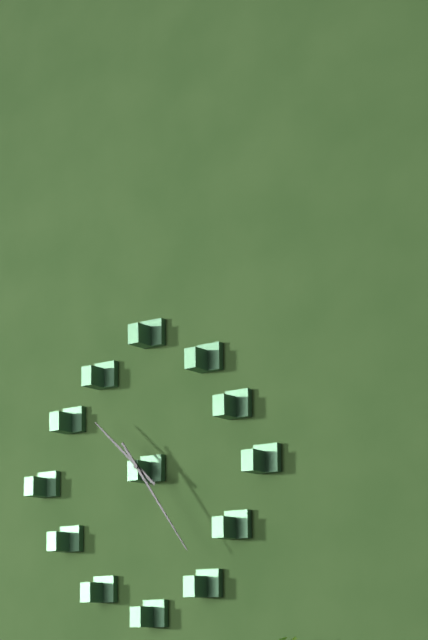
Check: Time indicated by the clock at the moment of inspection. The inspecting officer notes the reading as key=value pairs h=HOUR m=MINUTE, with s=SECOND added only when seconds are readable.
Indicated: h=10 m=24
